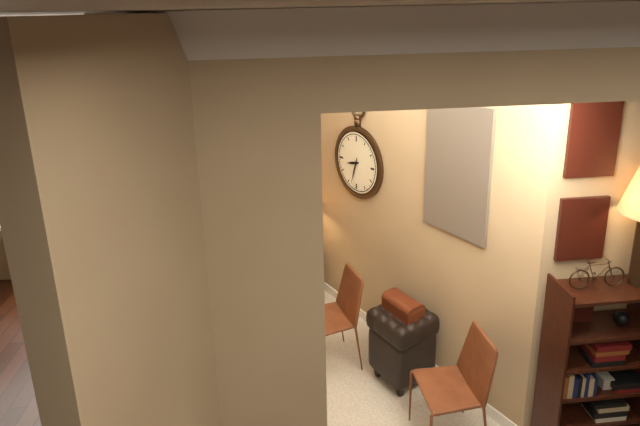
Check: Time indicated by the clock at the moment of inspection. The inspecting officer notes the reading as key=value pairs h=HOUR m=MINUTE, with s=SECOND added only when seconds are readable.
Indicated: h=8 m=33
